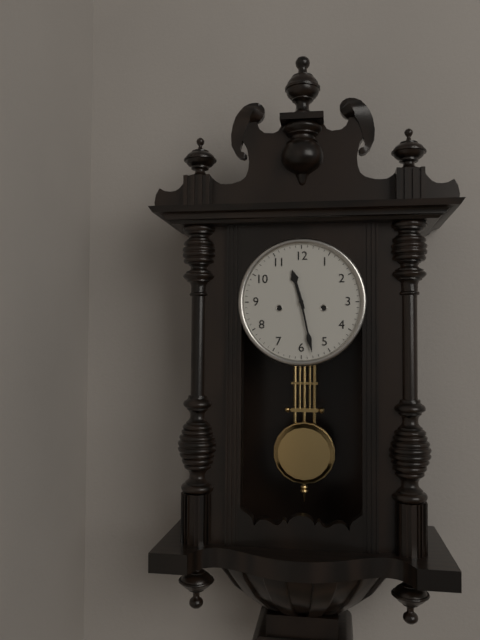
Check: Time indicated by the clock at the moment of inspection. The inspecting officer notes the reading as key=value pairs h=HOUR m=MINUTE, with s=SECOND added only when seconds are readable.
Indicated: h=11 m=28
